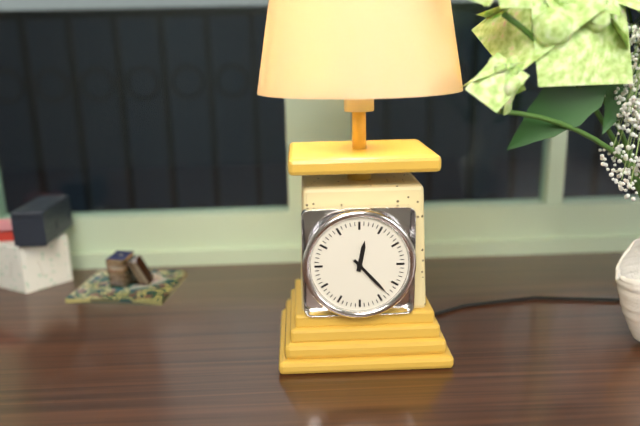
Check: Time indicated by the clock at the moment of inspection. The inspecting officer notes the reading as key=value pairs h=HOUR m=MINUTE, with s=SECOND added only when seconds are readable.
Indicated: h=12 m=23
